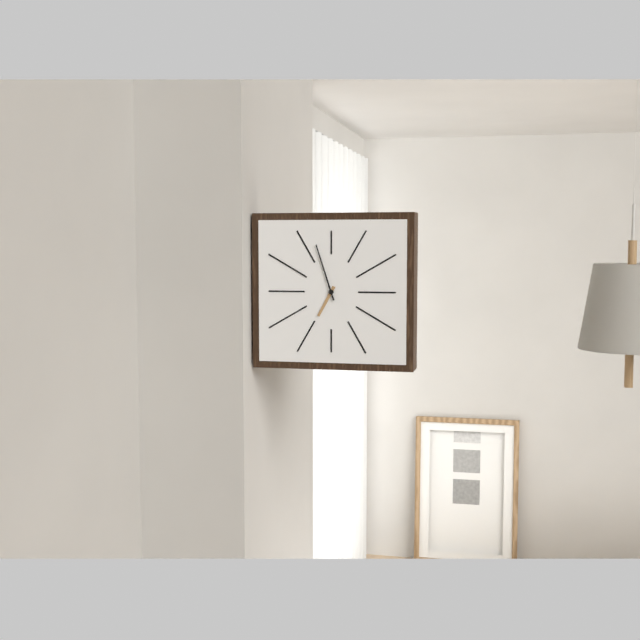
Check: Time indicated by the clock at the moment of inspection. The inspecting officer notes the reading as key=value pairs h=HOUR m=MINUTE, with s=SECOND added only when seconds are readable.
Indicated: h=6 m=57
